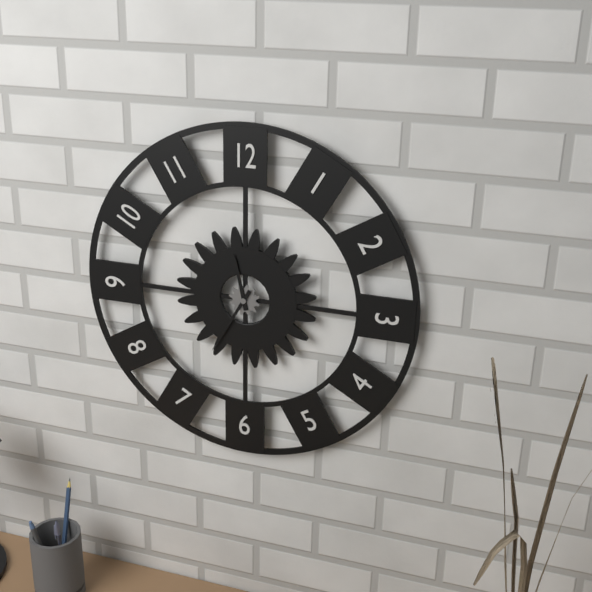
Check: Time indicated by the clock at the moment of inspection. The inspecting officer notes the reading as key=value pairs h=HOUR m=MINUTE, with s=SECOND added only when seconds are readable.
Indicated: h=11 m=35
